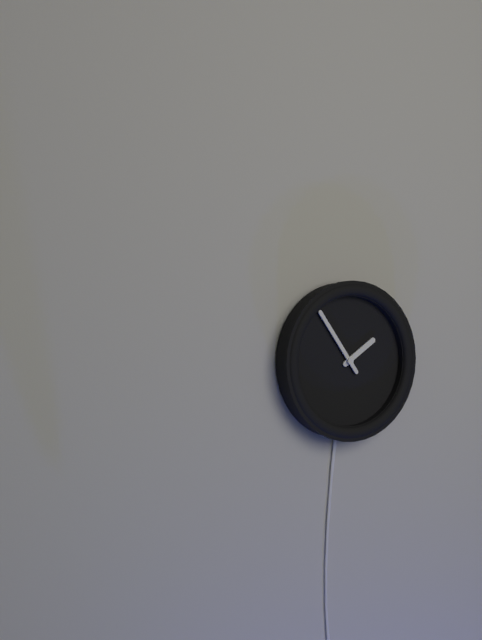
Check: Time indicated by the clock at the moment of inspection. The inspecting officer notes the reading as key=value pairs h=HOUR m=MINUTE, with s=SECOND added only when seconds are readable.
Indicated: h=1 m=54
